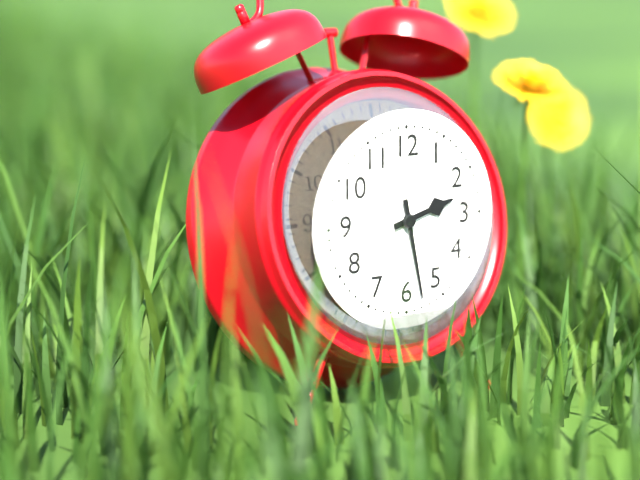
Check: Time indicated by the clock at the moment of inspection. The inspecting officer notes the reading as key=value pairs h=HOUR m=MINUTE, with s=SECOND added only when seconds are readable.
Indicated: h=2 m=28
